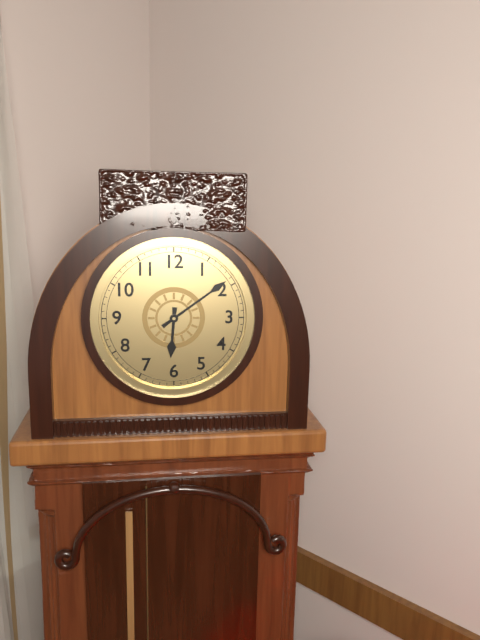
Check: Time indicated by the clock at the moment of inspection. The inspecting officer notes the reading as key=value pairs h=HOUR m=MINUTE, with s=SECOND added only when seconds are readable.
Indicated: h=6 m=9
